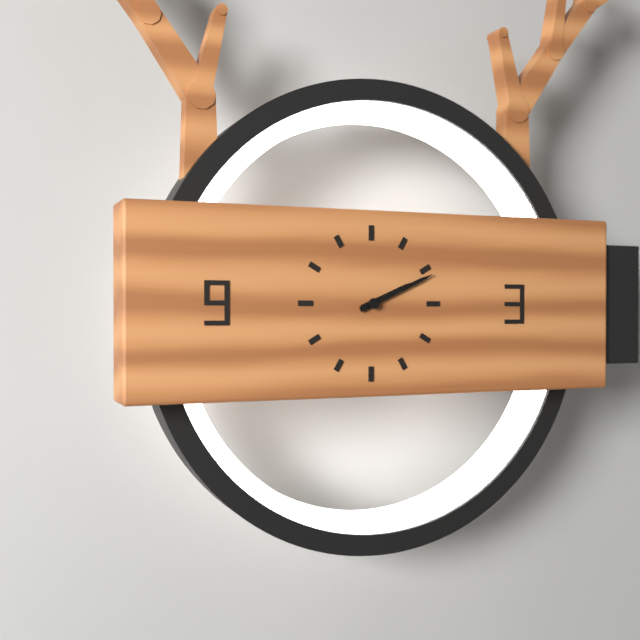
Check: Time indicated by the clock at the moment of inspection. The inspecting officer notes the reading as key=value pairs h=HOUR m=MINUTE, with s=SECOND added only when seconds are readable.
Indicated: h=2 m=11
